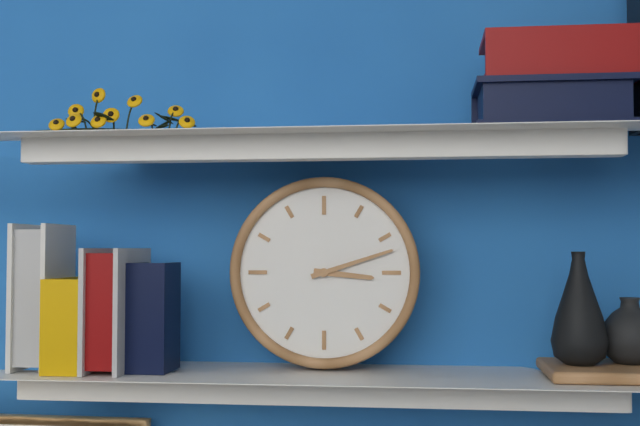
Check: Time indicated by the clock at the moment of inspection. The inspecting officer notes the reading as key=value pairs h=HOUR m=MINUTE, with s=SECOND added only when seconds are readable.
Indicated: h=3 m=12
